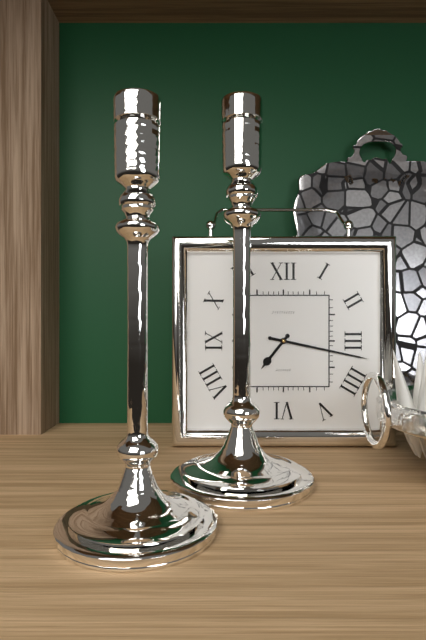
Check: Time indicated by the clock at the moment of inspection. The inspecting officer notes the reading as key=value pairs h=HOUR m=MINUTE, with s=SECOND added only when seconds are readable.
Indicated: h=7 m=17
